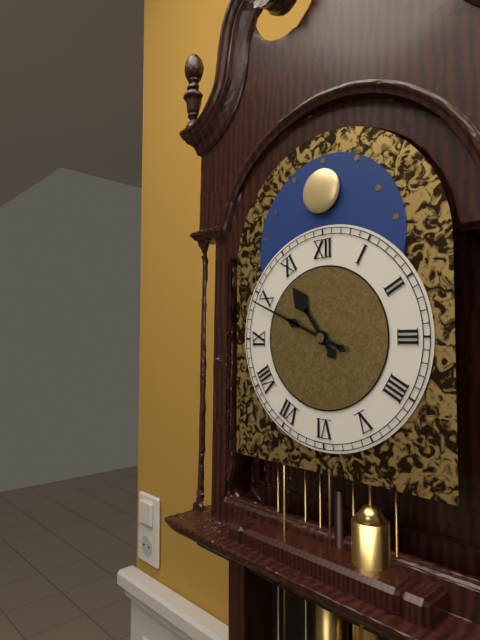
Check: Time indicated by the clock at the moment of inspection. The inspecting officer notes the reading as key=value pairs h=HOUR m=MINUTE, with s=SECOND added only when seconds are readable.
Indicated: h=10 m=49
